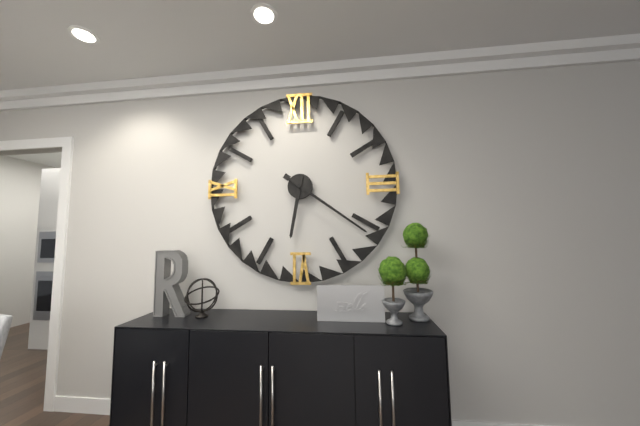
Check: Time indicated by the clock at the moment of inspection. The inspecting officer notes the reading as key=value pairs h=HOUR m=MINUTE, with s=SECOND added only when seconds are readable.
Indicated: h=6 m=21
